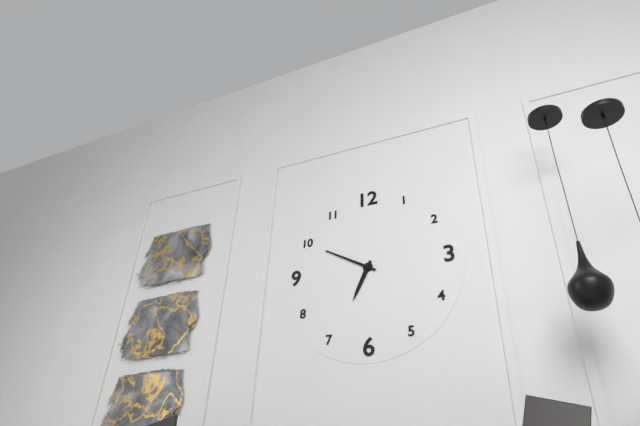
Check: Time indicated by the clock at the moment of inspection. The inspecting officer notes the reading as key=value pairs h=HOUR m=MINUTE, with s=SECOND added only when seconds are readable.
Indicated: h=6 m=50
